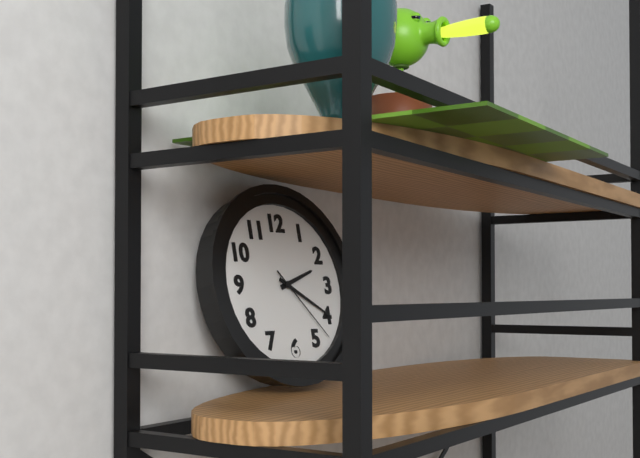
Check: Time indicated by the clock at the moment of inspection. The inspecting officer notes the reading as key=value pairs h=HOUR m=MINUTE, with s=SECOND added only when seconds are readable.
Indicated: h=2 m=20 s=23
